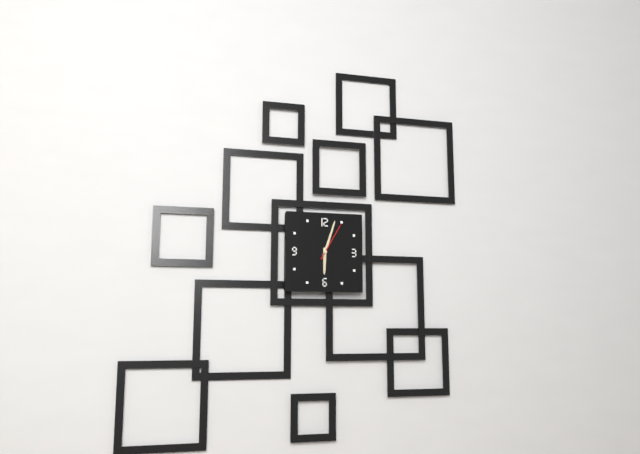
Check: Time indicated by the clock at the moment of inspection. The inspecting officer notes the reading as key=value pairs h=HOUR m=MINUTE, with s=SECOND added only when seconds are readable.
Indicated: h=6 m=3
